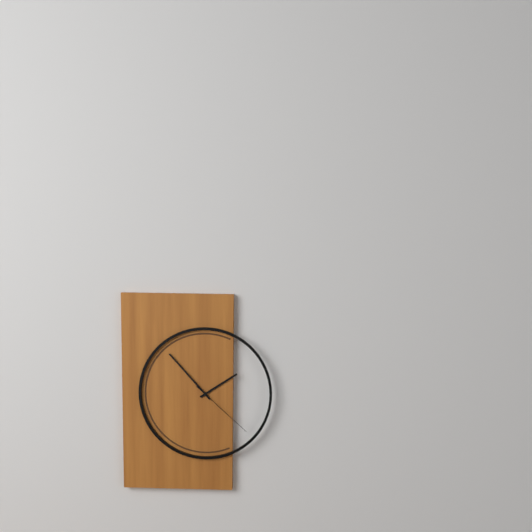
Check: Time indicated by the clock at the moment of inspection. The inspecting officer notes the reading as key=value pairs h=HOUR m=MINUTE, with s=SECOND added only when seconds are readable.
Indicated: h=1 m=53 s=22
